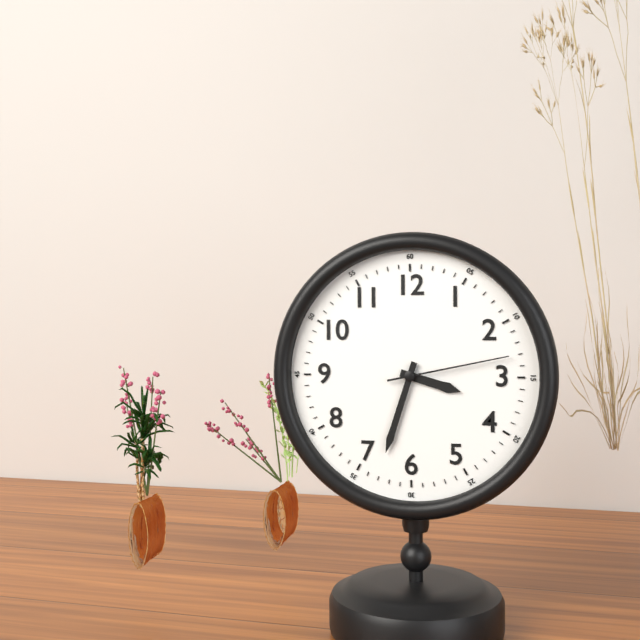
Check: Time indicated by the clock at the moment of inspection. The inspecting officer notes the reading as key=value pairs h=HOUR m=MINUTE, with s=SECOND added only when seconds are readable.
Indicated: h=3 m=33 s=13
